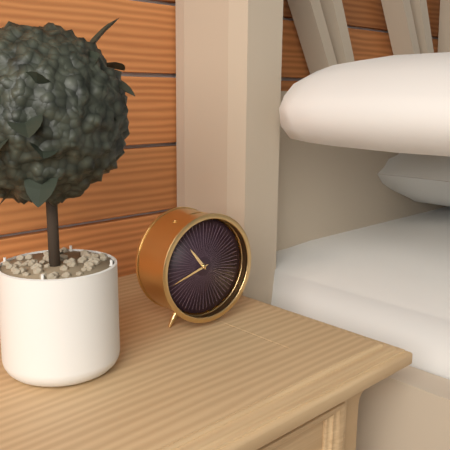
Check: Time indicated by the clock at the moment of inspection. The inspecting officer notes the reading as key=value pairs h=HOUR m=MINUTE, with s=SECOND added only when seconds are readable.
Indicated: h=10 m=42
